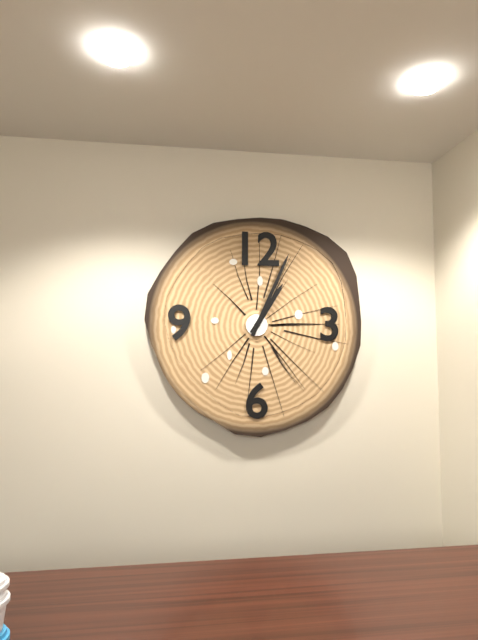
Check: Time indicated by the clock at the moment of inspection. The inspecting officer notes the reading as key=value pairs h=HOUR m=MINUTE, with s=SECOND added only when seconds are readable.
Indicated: h=1 m=4
